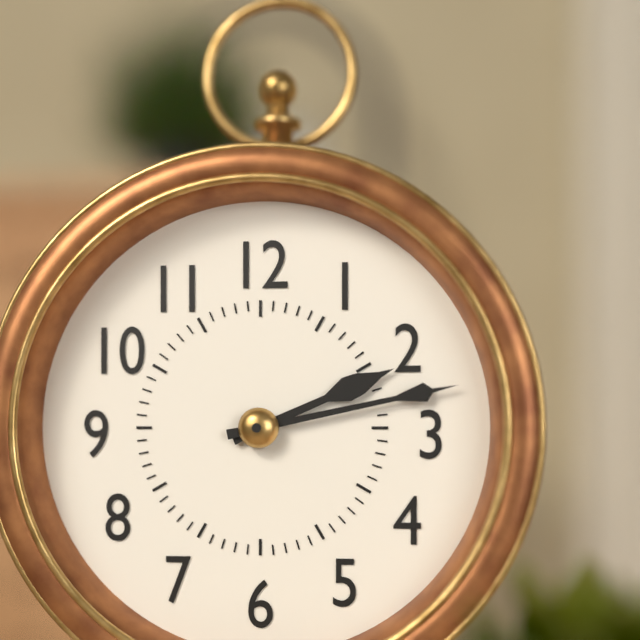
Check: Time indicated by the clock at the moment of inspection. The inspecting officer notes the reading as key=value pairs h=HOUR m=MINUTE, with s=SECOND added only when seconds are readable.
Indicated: h=2 m=13
